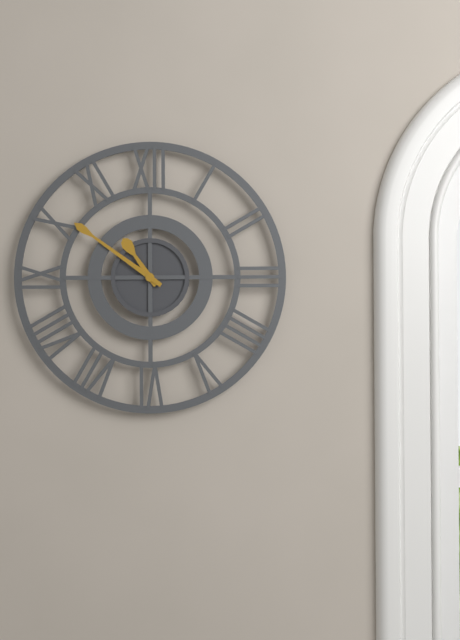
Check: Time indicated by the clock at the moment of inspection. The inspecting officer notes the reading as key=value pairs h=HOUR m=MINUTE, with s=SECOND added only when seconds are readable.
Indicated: h=10 m=51
